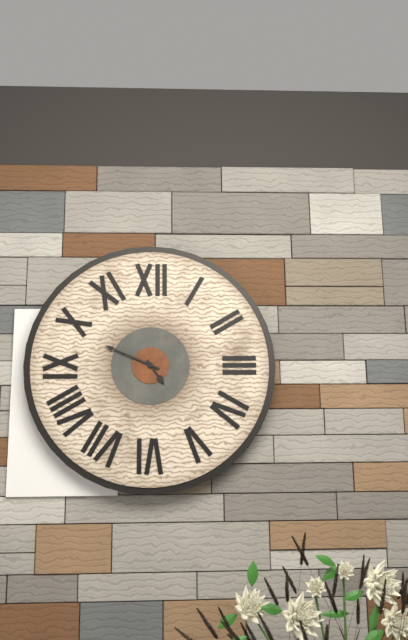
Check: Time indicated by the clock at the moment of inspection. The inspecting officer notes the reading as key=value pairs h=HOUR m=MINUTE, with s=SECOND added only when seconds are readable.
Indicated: h=4 m=49
